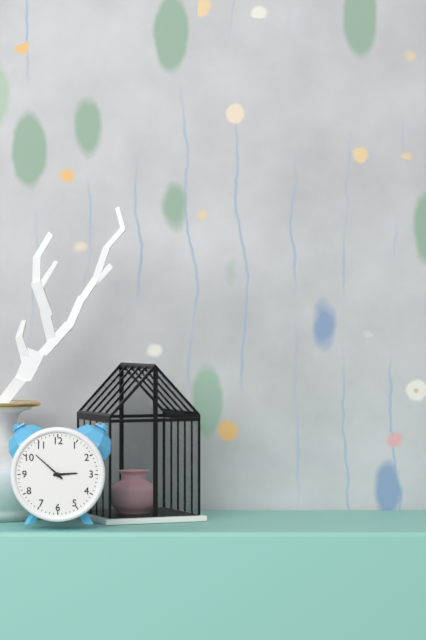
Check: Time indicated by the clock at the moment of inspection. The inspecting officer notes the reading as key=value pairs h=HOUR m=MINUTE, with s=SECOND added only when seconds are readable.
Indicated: h=2 m=52
